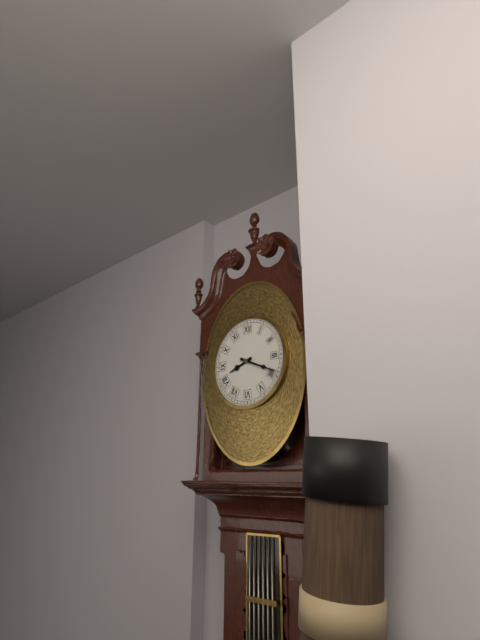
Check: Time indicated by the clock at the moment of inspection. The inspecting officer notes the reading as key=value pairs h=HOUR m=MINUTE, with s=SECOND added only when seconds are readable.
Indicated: h=8 m=19
